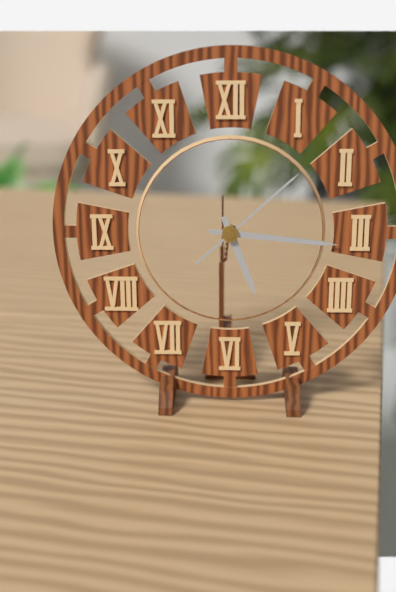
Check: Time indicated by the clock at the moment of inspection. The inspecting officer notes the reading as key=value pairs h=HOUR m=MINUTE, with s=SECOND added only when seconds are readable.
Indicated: h=5 m=16 s=8
